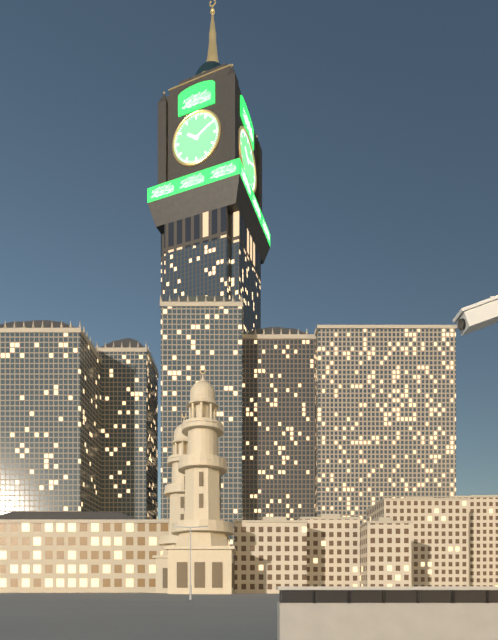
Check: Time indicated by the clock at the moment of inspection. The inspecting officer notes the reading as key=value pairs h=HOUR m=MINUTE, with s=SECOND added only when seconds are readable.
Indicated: h=10 m=10
